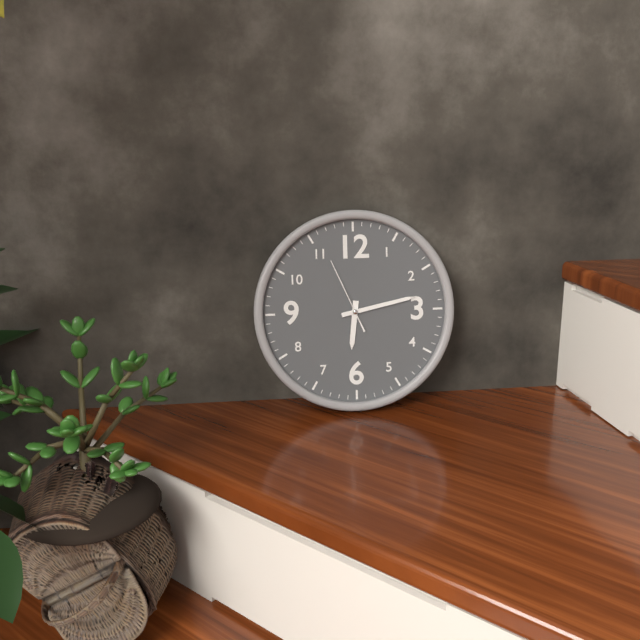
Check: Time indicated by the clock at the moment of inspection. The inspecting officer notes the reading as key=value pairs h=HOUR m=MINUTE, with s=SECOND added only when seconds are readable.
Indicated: h=6 m=13 s=56
